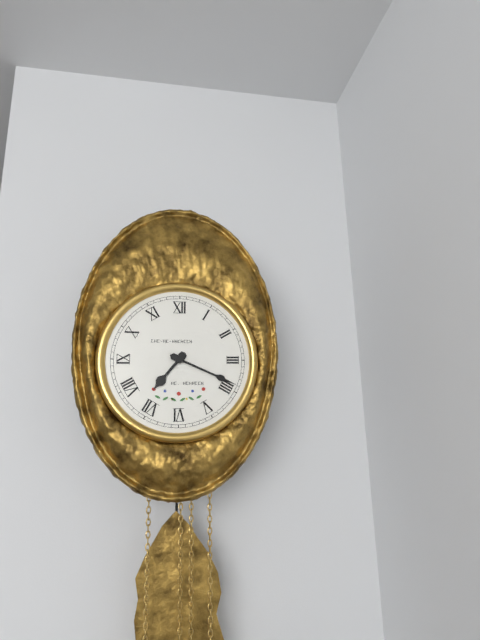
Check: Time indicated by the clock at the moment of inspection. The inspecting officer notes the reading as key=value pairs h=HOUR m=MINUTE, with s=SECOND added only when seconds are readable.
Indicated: h=7 m=19
